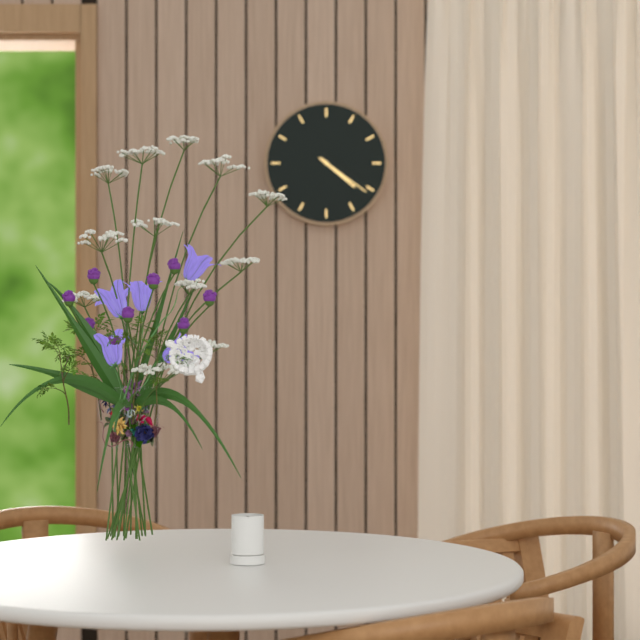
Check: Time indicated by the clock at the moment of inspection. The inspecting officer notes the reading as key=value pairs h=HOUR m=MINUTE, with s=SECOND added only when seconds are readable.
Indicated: h=4 m=21
